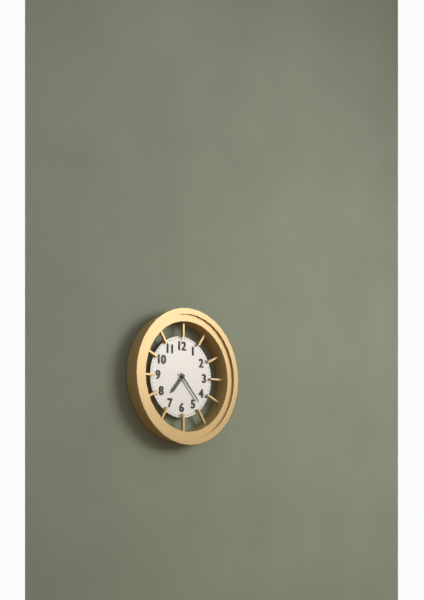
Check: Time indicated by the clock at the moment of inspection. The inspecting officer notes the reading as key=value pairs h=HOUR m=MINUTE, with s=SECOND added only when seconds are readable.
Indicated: h=7 m=23
